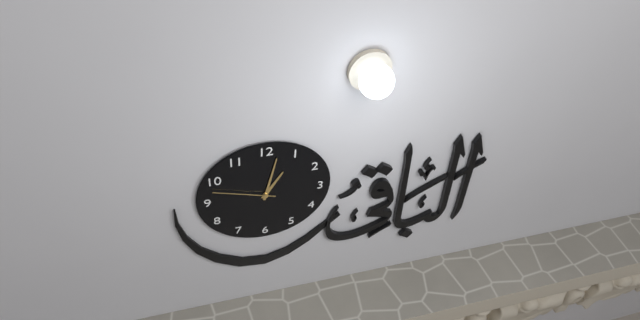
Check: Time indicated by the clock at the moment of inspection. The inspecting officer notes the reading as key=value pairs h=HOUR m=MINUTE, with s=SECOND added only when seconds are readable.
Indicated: h=1 m=2 s=48
